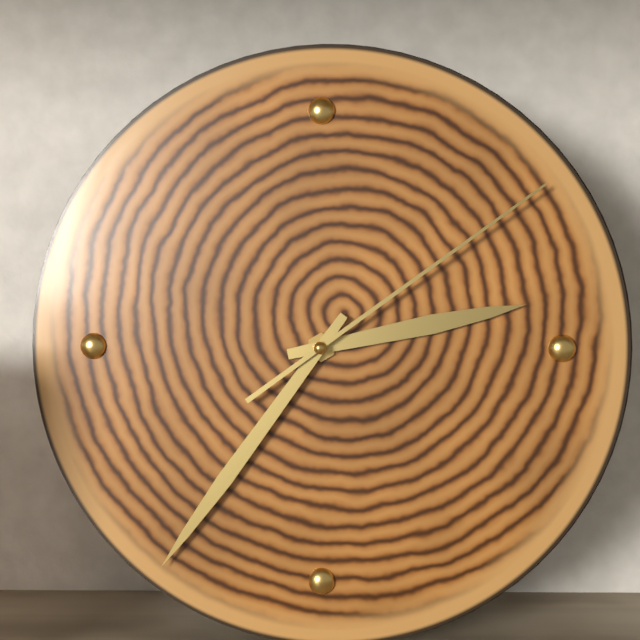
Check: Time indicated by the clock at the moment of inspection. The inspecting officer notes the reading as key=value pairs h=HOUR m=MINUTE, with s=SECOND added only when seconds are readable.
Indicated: h=2 m=36 s=9
